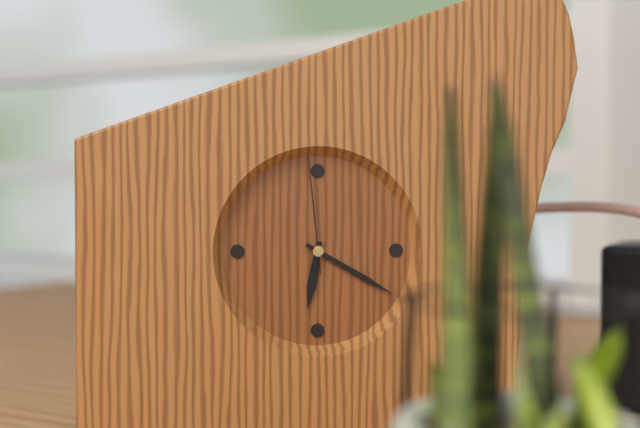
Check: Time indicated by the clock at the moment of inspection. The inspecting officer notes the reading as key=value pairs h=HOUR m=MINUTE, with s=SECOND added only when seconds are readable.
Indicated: h=6 m=20 s=59
